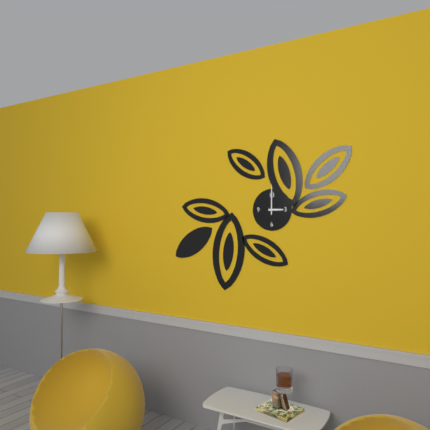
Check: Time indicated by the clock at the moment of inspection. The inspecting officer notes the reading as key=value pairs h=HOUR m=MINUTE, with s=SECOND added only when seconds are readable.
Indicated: h=3 m=0
